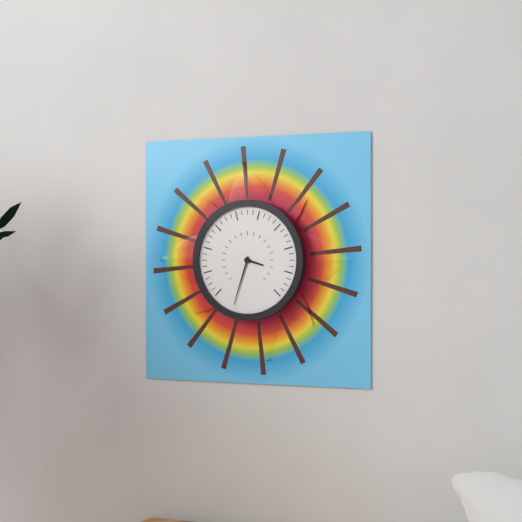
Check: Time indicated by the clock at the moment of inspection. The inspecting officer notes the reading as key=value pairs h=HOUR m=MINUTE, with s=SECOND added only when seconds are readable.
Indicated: h=3 m=33
